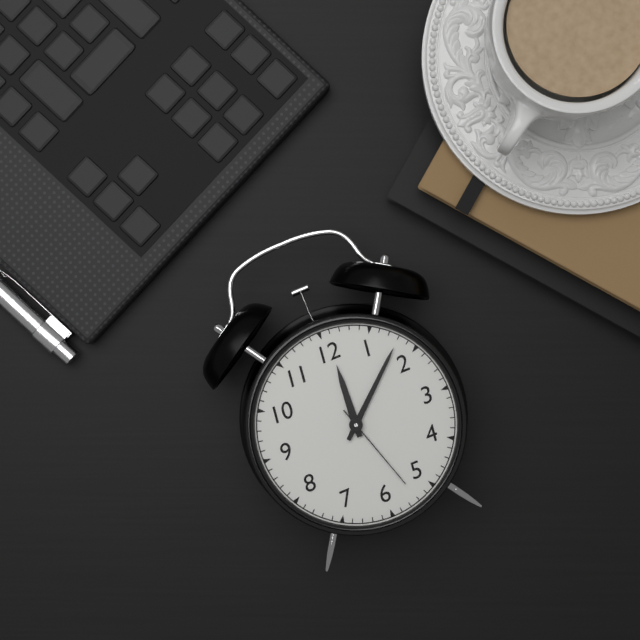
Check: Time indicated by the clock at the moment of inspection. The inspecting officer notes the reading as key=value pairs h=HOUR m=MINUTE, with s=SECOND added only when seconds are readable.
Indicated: h=12 m=8 s=27
